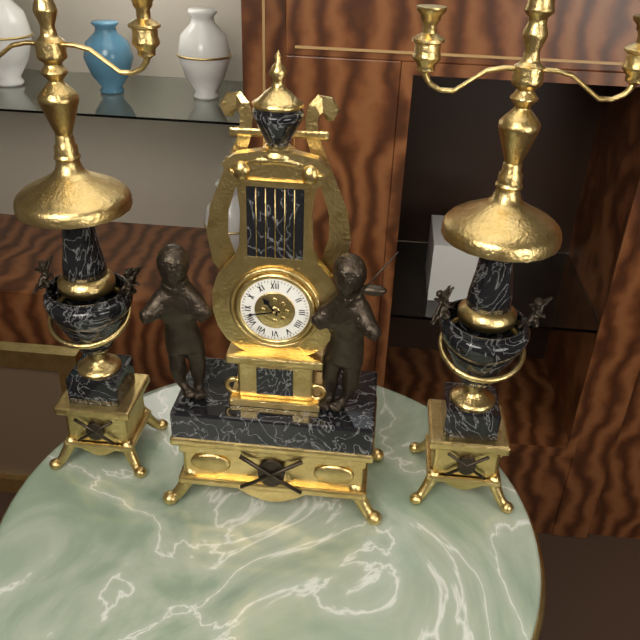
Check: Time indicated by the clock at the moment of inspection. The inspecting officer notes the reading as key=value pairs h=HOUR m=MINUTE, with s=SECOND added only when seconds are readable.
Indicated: h=10 m=43
